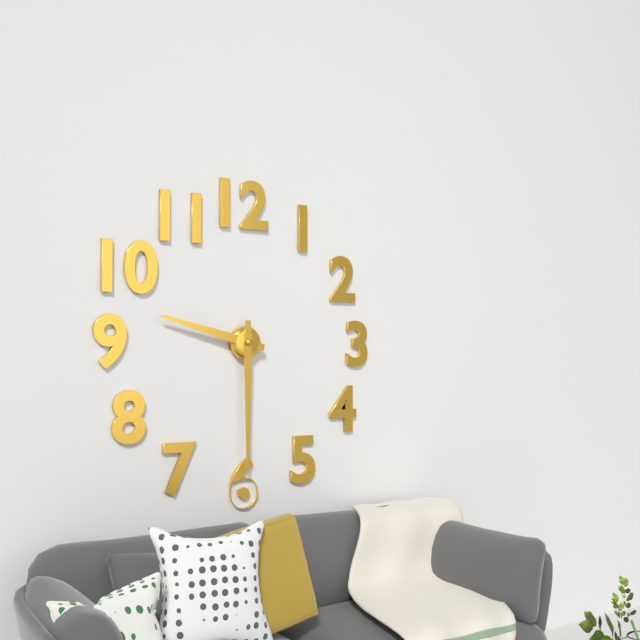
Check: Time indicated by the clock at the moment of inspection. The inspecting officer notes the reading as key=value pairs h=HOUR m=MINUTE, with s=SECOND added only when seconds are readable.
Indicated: h=9 m=30
